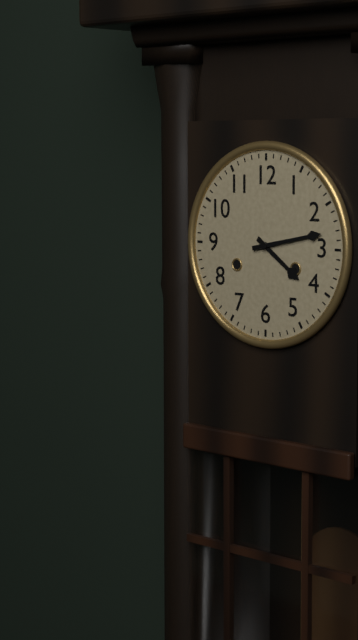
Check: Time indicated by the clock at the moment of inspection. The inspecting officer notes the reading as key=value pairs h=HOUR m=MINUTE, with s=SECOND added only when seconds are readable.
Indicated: h=4 m=13
